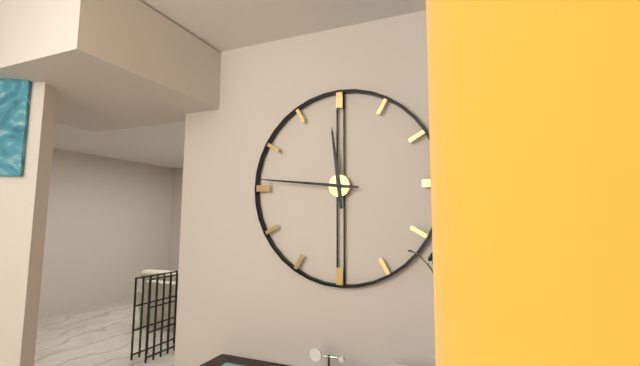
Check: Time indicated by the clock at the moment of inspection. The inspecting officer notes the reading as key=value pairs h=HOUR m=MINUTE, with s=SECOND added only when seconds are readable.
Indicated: h=11 m=46
